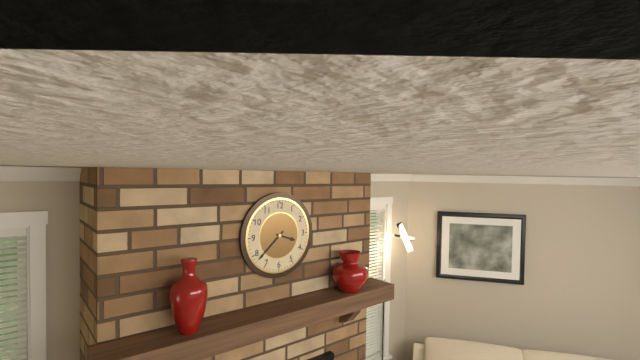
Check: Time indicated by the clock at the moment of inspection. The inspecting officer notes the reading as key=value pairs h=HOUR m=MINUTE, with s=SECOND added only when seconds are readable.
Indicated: h=3 m=38
